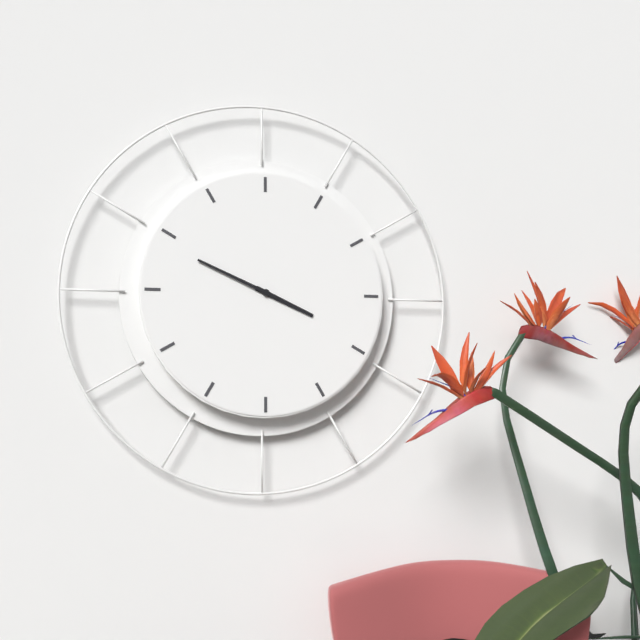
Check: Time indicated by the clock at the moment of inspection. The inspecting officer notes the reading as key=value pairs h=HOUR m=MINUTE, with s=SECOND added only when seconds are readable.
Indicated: h=3 m=49
